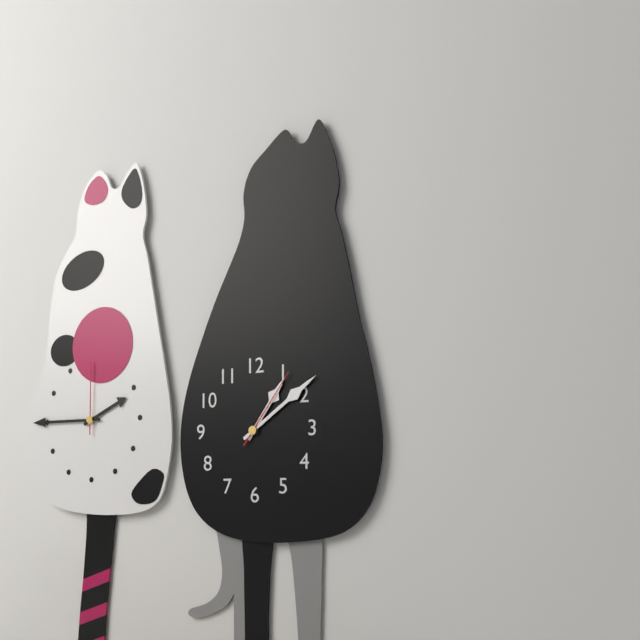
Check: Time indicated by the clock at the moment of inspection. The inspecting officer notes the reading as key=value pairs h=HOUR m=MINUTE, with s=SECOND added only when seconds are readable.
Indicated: h=1 m=9 s=6
